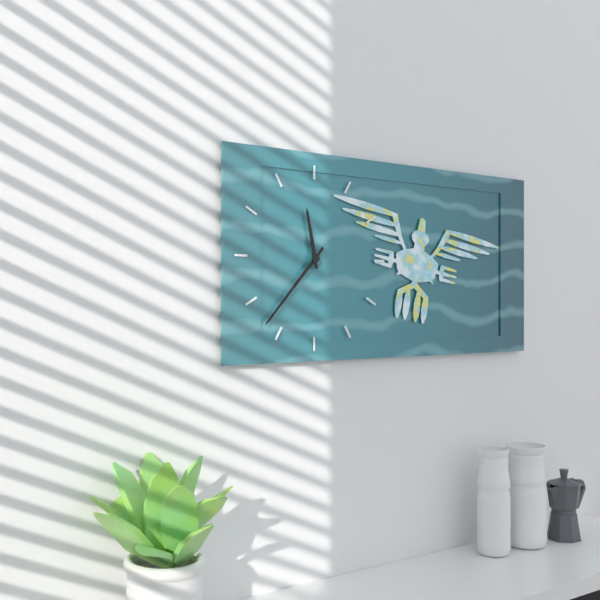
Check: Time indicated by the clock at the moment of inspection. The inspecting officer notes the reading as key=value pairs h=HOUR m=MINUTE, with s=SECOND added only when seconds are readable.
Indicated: h=11 m=37
